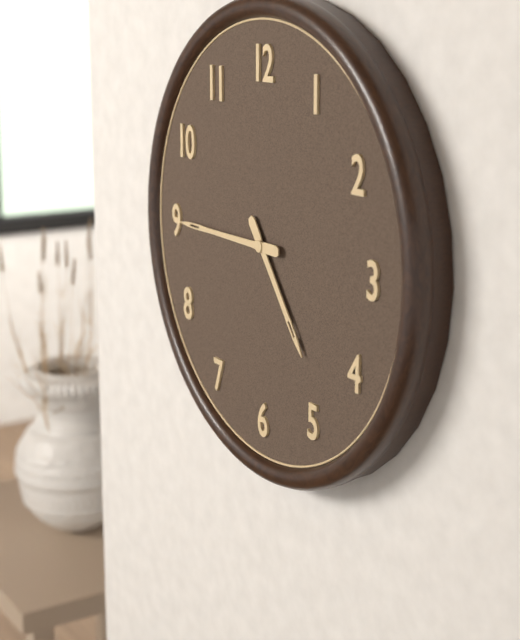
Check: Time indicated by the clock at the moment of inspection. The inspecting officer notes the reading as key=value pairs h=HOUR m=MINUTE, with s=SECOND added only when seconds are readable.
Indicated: h=4 m=45
